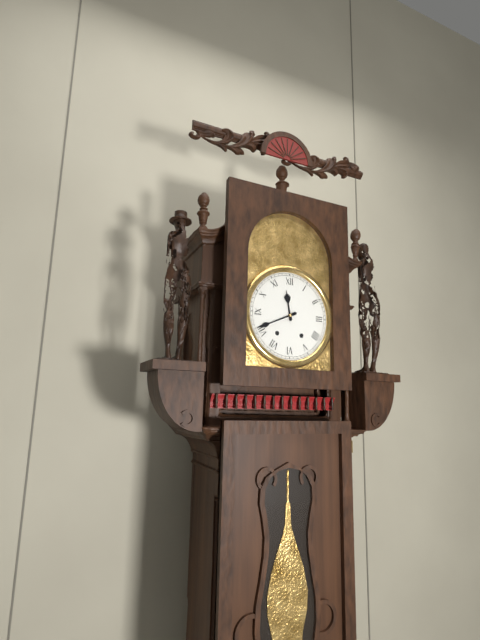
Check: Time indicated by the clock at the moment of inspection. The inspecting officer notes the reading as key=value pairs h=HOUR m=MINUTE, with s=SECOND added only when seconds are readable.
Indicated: h=11 m=41
